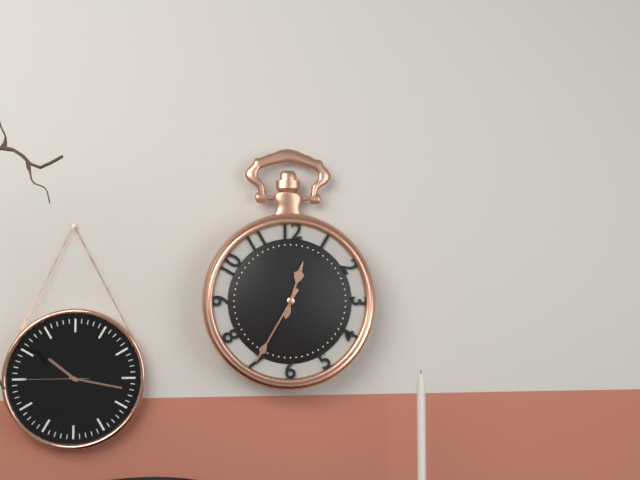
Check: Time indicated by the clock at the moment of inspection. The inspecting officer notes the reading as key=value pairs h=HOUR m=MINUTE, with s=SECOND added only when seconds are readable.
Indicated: h=12 m=35
